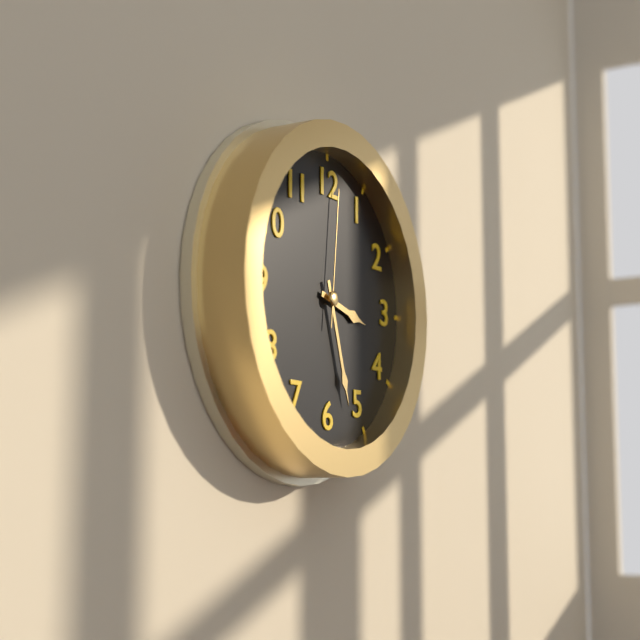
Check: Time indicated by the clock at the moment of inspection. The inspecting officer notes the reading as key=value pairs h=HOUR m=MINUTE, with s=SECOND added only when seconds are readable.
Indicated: h=3 m=27 s=1
